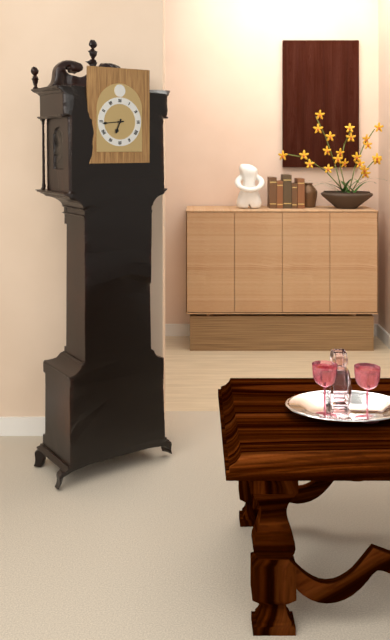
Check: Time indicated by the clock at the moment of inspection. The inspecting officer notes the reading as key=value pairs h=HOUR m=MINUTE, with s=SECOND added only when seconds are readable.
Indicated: h=6 m=44
